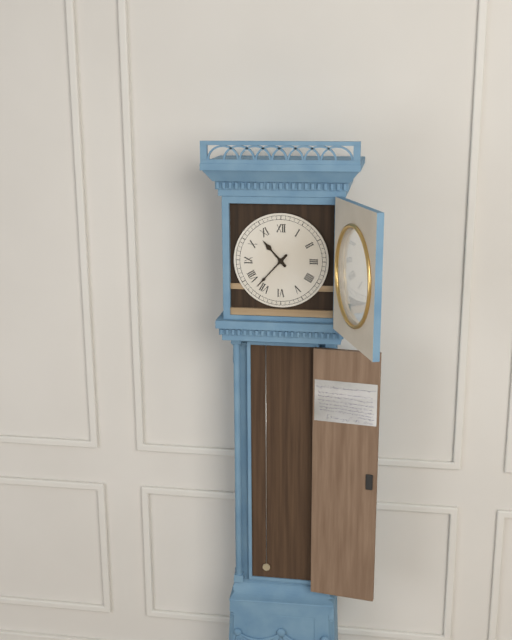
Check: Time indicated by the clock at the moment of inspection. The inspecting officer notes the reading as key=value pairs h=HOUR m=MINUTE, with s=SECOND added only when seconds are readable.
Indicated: h=10 m=37
